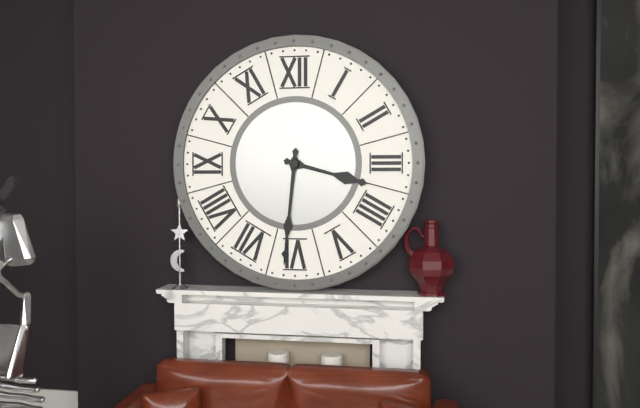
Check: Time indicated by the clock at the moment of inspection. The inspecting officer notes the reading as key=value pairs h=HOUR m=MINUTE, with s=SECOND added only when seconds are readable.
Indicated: h=3 m=31
